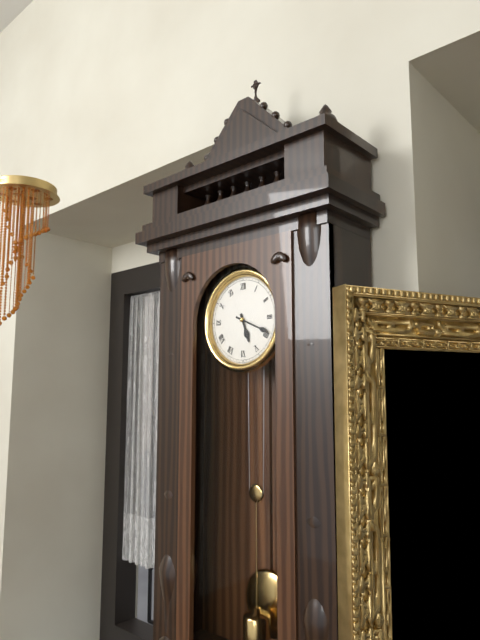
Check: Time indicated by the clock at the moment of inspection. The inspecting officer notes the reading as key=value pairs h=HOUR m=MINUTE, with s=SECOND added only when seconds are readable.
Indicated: h=5 m=19
